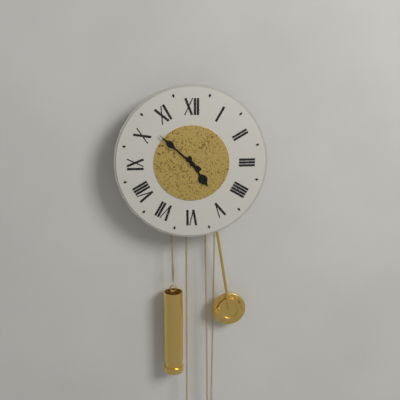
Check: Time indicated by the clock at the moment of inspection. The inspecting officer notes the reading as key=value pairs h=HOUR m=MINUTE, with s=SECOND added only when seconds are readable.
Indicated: h=4 m=52
